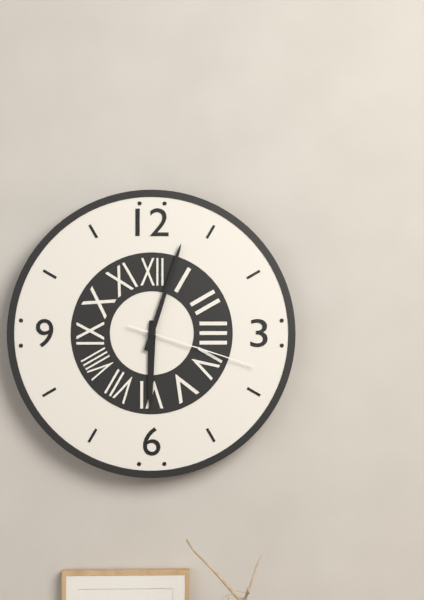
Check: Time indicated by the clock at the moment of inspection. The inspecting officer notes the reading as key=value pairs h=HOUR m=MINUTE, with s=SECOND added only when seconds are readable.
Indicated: h=6 m=3 s=18
